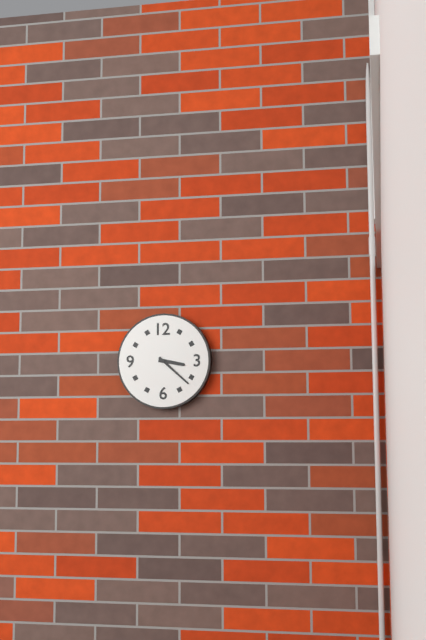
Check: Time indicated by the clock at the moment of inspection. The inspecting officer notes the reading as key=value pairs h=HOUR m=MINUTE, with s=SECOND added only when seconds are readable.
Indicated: h=3 m=22
